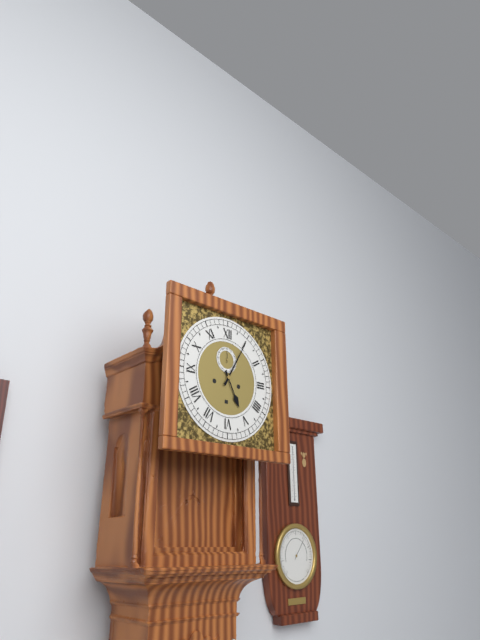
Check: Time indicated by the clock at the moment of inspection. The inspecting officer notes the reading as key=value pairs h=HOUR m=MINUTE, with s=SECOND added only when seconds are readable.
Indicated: h=5 m=5
